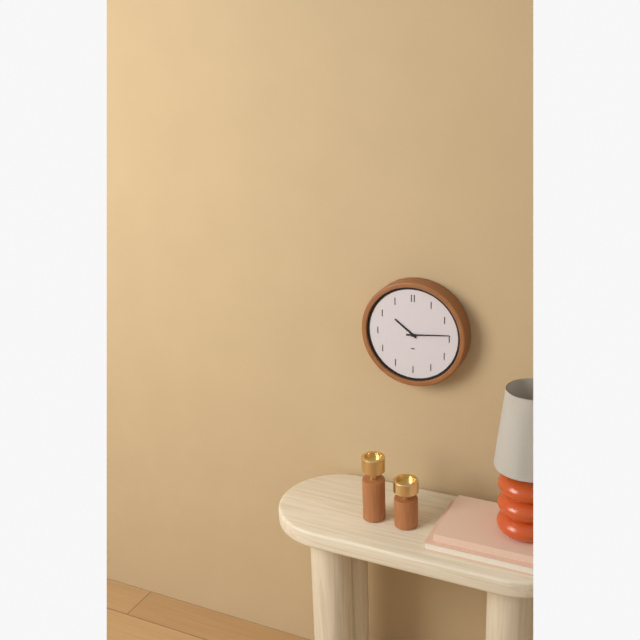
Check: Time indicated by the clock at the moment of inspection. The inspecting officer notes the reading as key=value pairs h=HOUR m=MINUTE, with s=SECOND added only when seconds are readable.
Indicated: h=10 m=14
